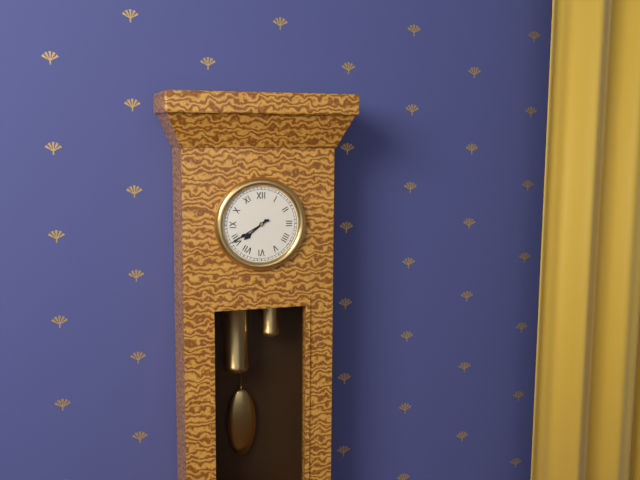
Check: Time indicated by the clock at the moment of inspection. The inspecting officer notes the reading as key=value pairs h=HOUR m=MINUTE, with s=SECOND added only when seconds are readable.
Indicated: h=7 m=40
